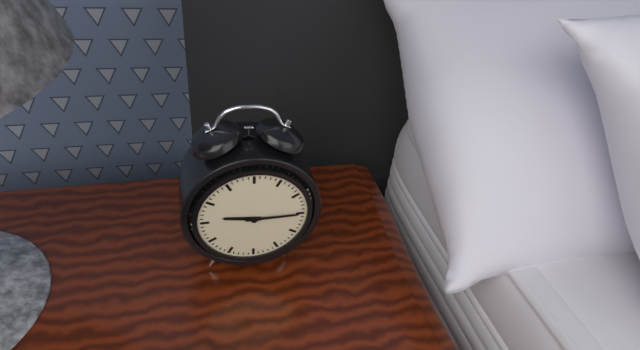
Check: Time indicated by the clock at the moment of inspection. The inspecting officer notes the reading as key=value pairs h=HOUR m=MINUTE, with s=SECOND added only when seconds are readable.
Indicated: h=9 m=15
